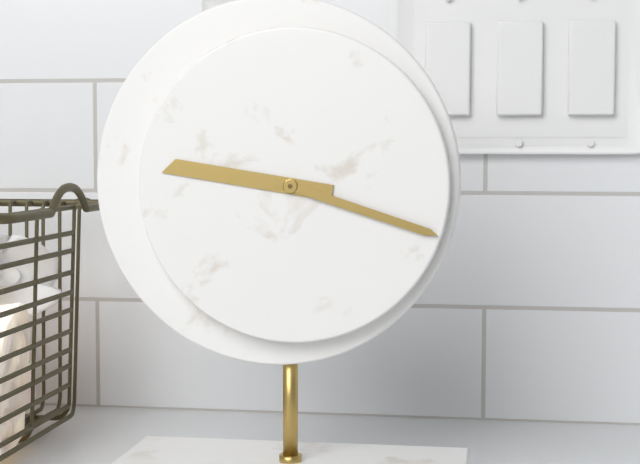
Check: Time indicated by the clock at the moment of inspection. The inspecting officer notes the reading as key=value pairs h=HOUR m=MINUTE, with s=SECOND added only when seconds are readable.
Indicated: h=9 m=18
